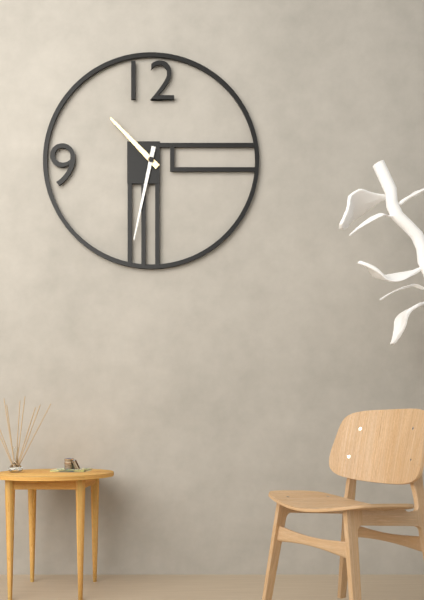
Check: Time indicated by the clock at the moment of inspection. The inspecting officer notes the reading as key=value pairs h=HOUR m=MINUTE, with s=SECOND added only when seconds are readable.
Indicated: h=10 m=32
